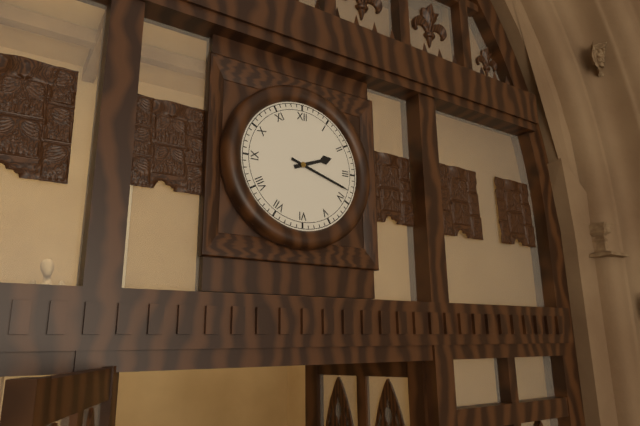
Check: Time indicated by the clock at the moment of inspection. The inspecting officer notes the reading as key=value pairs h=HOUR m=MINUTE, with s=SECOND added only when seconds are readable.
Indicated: h=2 m=18
